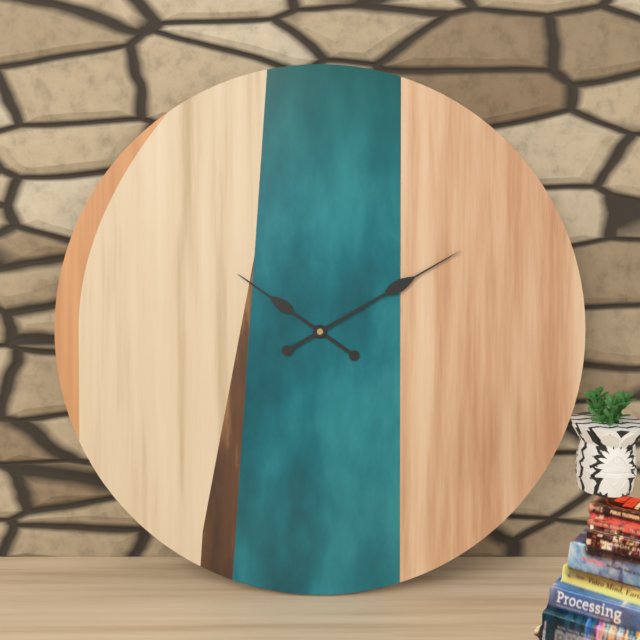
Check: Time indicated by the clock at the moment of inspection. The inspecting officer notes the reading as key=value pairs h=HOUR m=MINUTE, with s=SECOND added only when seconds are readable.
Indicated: h=10 m=10
